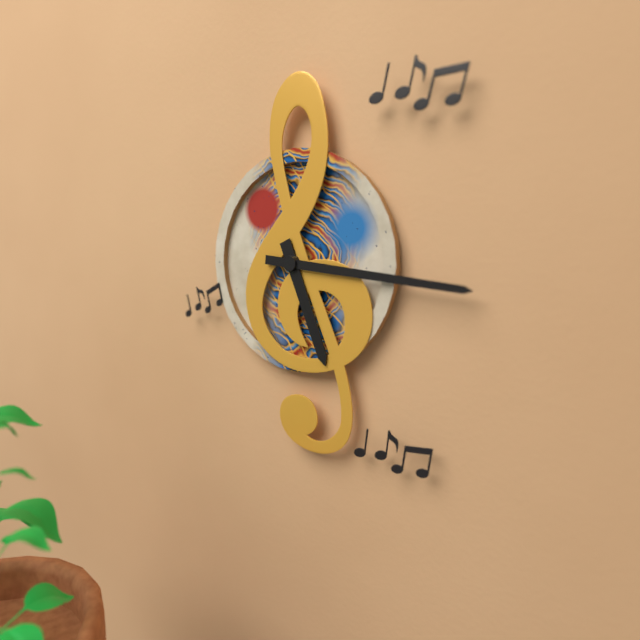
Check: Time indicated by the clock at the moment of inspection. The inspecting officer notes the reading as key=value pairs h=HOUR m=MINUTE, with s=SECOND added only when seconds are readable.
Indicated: h=5 m=16
